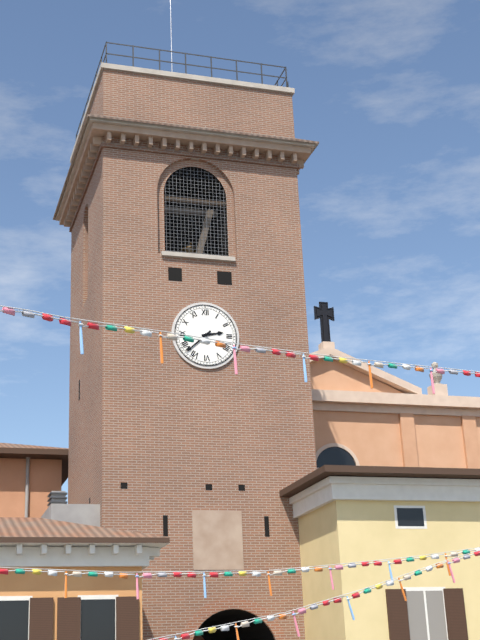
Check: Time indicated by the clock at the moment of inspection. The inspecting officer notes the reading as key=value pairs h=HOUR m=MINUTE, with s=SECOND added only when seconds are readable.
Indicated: h=2 m=38
